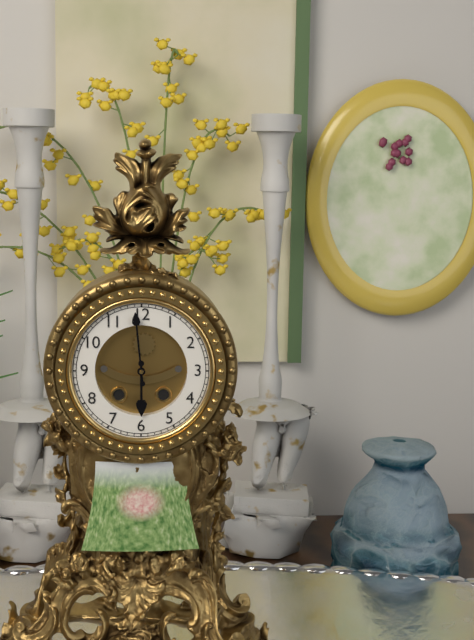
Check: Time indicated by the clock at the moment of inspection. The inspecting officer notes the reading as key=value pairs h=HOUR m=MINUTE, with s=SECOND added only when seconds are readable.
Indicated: h=5 m=59
